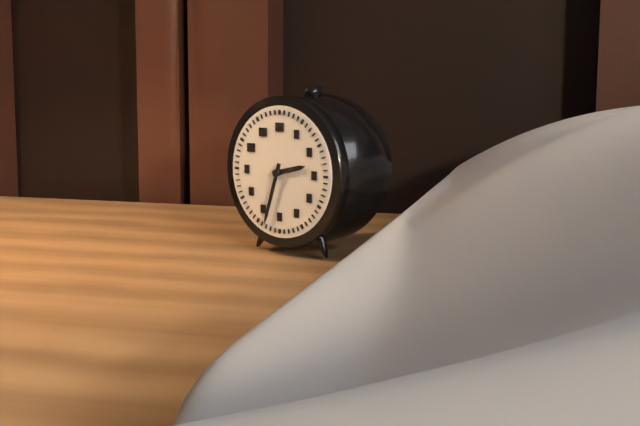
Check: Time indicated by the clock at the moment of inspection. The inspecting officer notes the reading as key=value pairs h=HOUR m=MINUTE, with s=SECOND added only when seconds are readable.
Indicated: h=2 m=33
